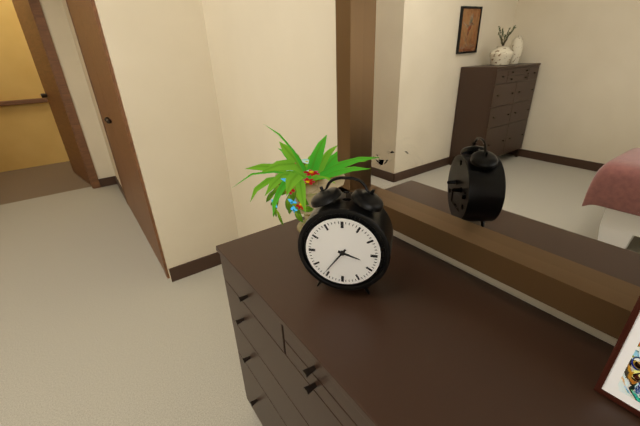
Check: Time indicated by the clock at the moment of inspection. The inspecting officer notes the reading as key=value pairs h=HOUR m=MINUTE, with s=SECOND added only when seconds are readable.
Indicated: h=3 m=36
